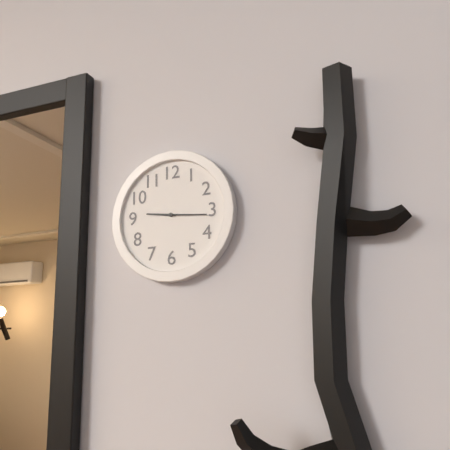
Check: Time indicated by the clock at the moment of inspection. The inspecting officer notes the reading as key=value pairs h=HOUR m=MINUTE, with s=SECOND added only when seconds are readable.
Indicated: h=9 m=16
